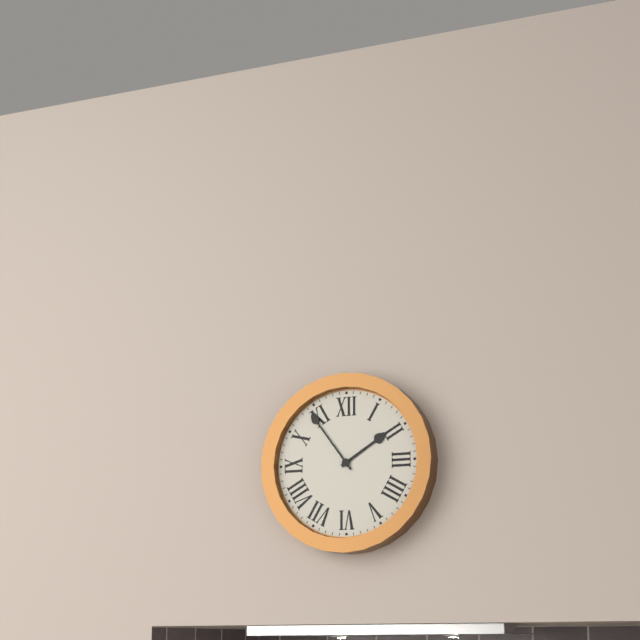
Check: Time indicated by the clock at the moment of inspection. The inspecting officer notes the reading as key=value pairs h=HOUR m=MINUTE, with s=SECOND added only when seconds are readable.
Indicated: h=1 m=54
